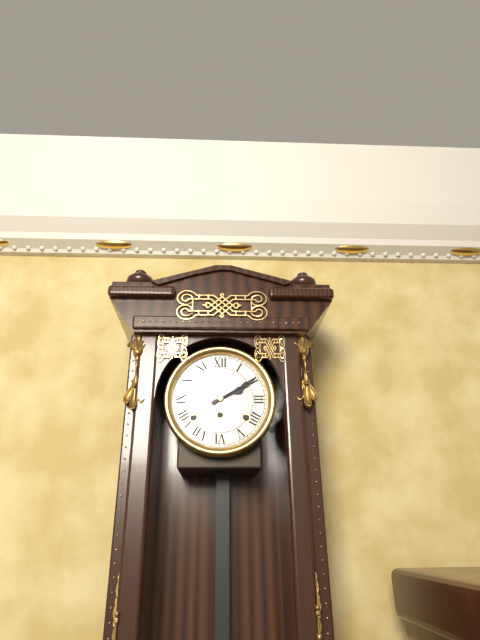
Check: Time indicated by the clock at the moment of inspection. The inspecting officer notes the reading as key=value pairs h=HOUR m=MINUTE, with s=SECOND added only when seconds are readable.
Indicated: h=2 m=10
